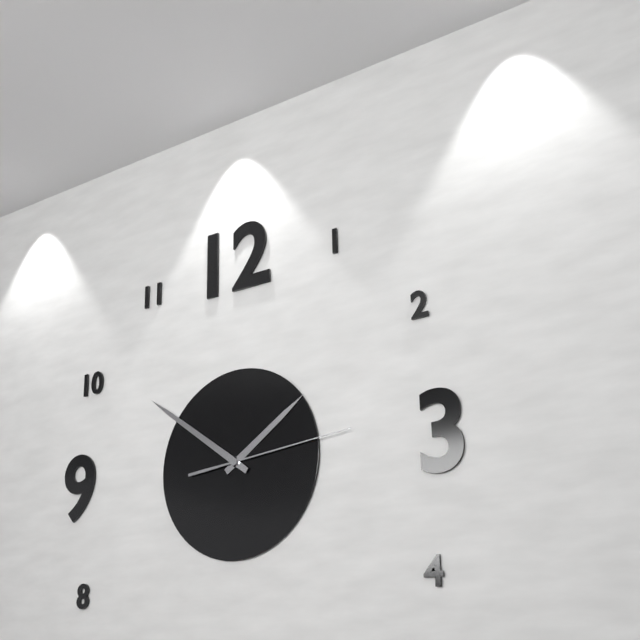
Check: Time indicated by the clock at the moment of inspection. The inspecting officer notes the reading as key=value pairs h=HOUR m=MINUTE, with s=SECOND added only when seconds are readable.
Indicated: h=1 m=51 s=14
